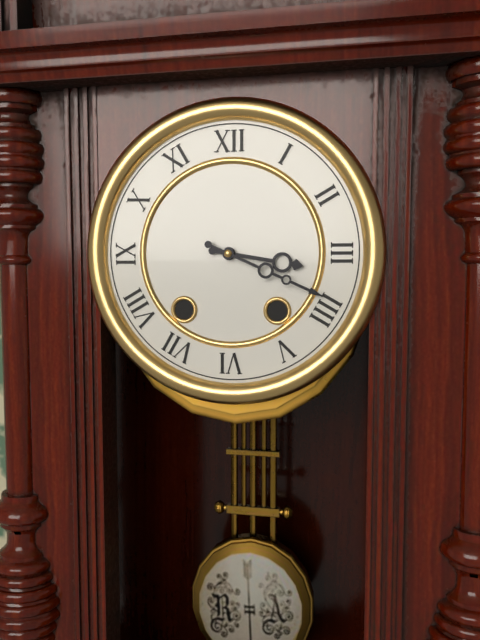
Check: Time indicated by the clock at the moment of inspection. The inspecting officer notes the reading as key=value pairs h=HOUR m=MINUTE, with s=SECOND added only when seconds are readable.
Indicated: h=3 m=19
